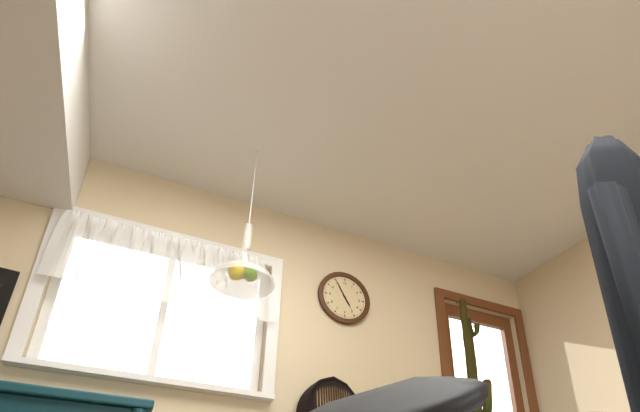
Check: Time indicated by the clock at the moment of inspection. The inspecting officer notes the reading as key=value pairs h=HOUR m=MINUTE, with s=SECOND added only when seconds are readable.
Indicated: h=4 m=55
